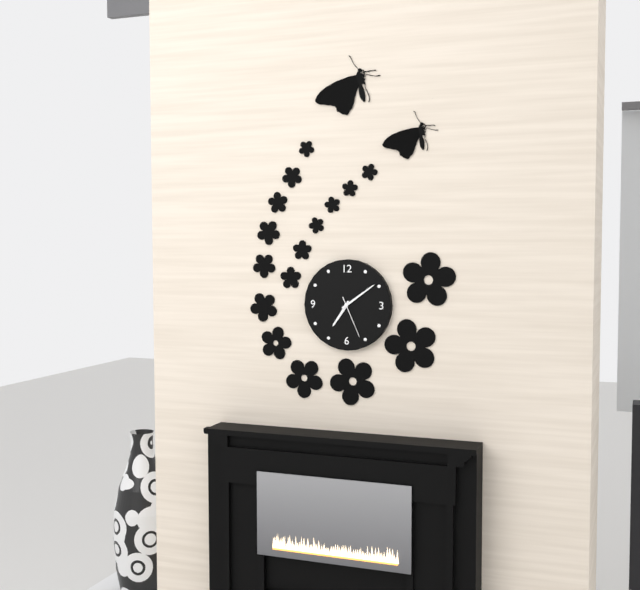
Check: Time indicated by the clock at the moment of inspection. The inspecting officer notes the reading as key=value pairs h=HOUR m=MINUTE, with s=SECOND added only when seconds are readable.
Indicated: h=7 m=9
